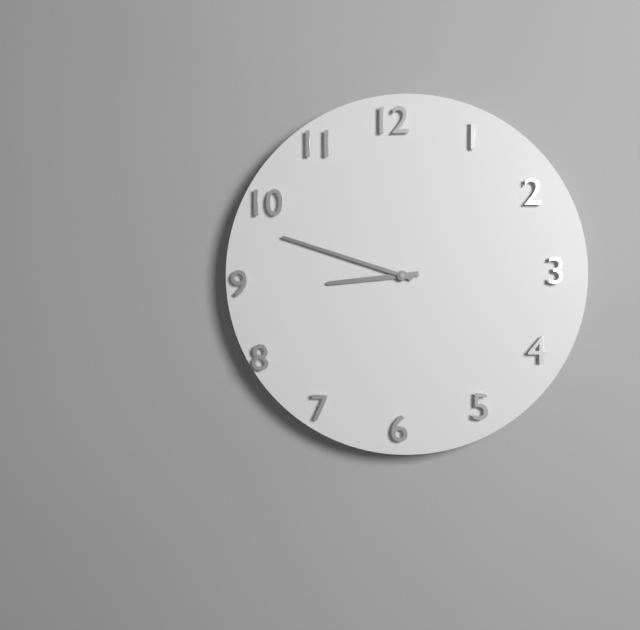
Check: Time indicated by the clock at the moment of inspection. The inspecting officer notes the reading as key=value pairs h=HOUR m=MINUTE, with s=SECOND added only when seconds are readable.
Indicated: h=8 m=48
